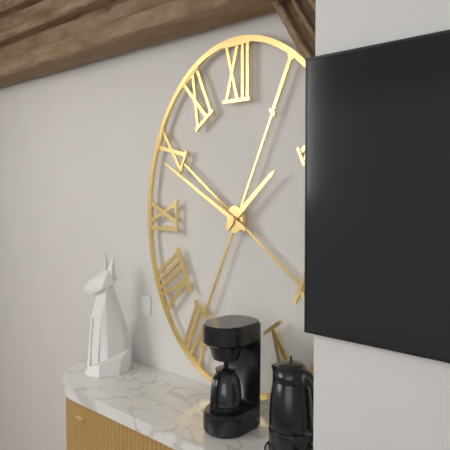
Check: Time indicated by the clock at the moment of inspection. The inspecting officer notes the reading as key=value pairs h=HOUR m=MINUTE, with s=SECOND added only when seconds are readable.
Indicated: h=1 m=49
